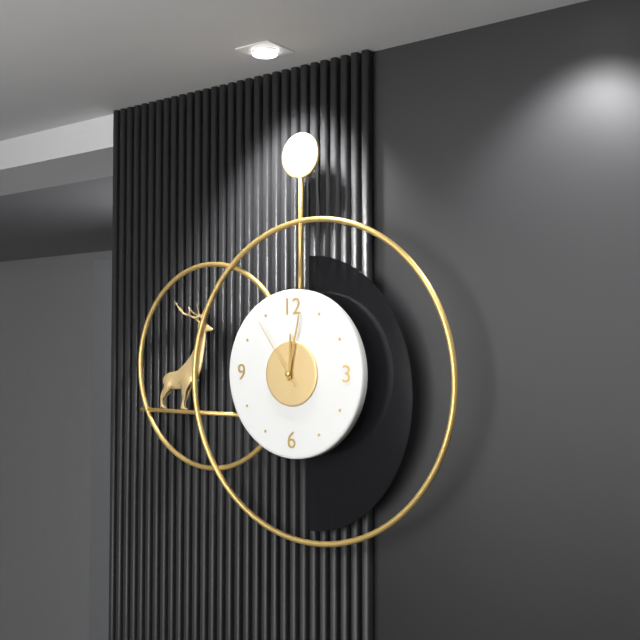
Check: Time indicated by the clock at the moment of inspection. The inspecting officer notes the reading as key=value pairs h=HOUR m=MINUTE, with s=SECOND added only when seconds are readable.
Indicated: h=12 m=2 s=54
